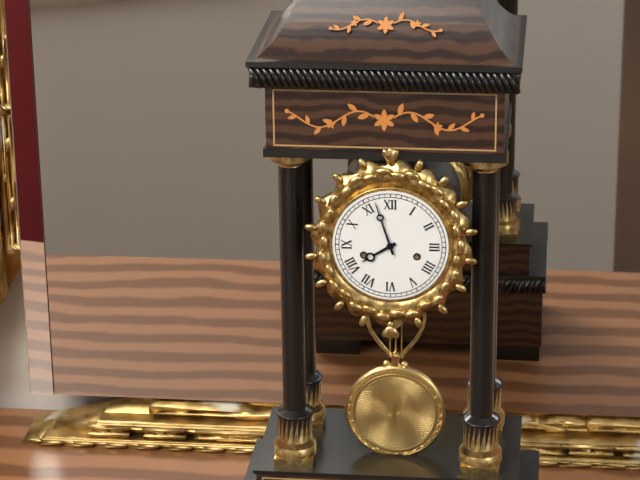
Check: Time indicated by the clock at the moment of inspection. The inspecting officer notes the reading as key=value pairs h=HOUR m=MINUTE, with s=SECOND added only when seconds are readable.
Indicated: h=7 m=57
